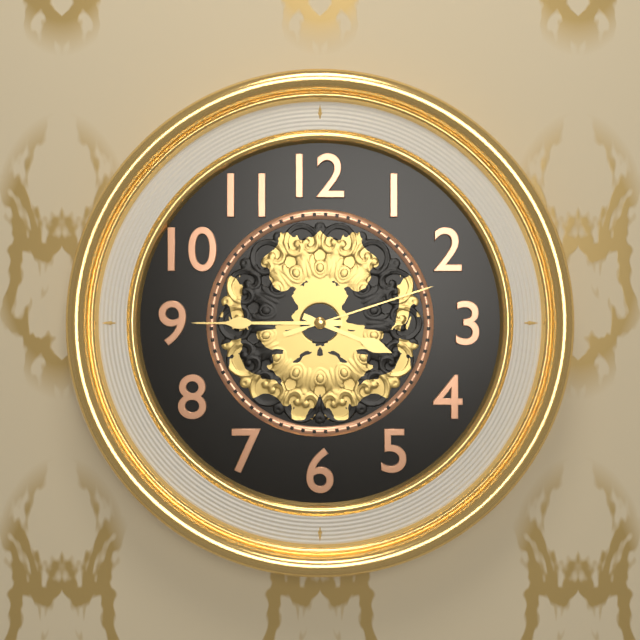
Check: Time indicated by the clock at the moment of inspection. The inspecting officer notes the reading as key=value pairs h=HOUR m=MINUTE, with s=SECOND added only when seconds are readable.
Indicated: h=3 m=45 s=12
